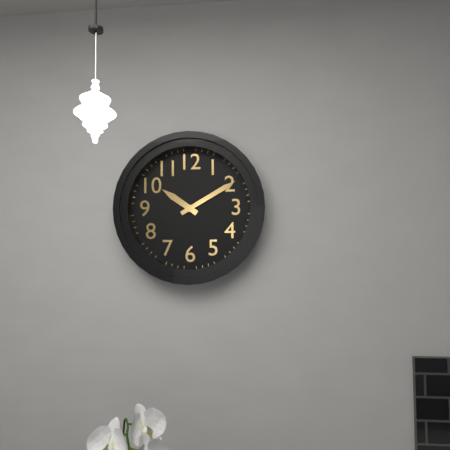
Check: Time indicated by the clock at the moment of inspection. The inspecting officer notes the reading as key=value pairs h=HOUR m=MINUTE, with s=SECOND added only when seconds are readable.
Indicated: h=10 m=10
